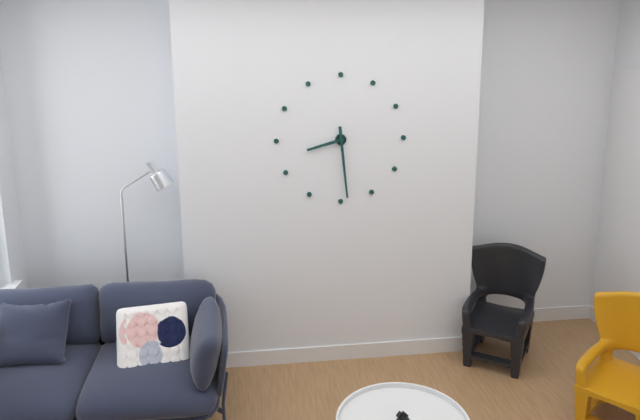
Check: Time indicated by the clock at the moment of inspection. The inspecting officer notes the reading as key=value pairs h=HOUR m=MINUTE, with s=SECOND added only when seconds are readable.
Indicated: h=8 m=29
